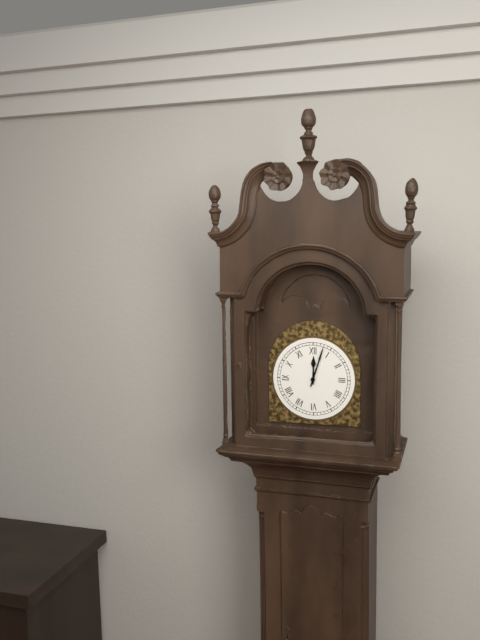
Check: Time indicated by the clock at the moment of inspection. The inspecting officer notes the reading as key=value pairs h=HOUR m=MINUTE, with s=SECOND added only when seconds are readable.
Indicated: h=12 m=3
